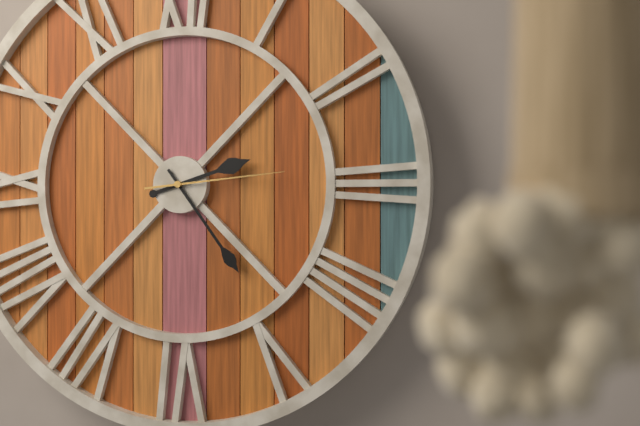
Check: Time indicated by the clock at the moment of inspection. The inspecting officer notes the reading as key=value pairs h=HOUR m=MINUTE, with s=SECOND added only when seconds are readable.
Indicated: h=2 m=24 s=14
